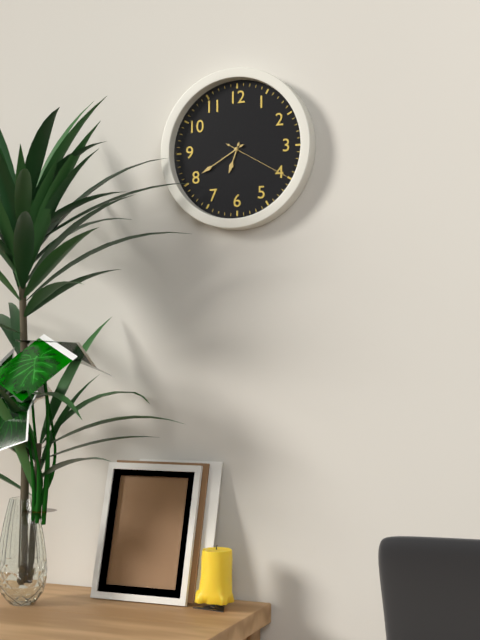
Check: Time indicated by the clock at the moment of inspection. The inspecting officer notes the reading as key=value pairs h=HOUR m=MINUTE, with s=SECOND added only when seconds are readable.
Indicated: h=6 m=40 s=20
